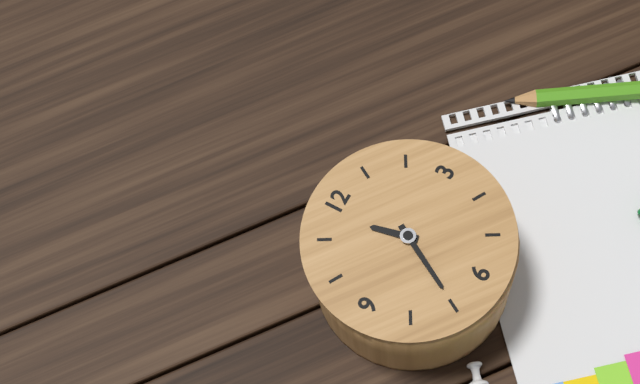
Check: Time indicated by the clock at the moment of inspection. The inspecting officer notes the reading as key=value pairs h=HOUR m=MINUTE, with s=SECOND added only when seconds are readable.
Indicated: h=11 m=35
